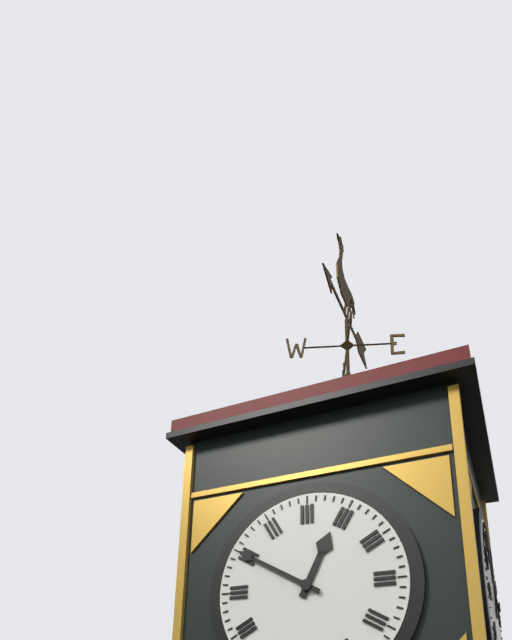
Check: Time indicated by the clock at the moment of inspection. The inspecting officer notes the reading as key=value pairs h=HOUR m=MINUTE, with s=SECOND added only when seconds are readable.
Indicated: h=12 m=50
